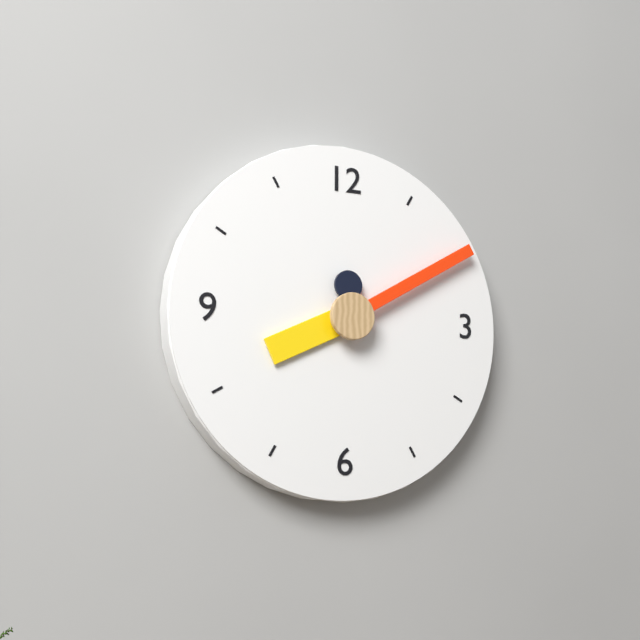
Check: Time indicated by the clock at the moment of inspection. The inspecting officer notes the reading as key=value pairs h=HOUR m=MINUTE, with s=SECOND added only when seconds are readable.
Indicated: h=8 m=10
